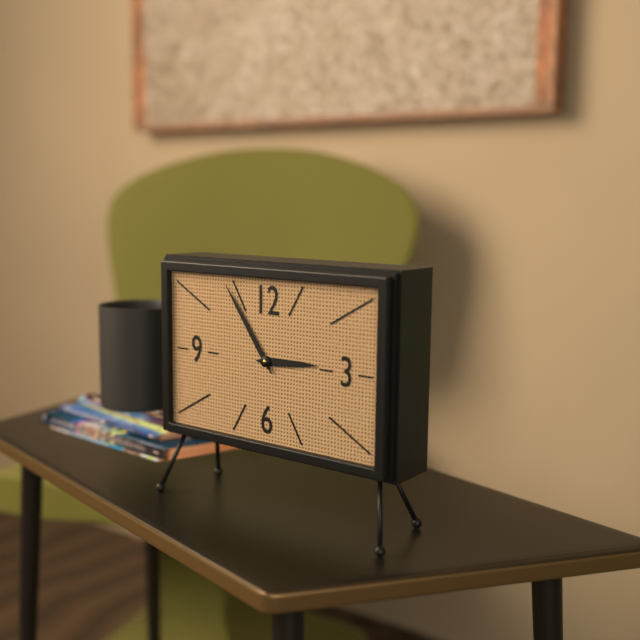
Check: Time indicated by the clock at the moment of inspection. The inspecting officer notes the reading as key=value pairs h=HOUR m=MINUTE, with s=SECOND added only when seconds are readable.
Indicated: h=2 m=54
